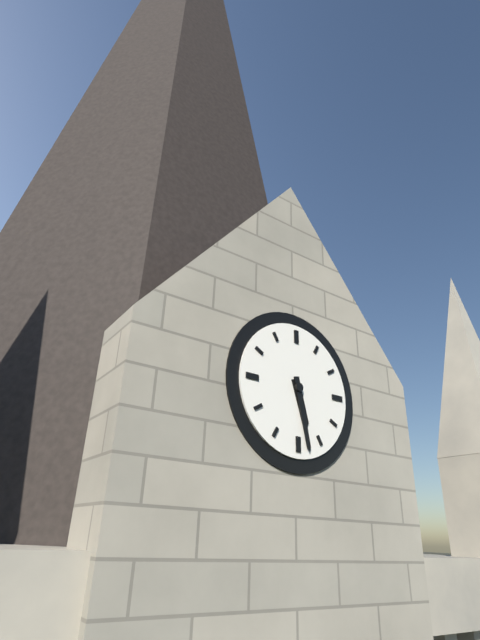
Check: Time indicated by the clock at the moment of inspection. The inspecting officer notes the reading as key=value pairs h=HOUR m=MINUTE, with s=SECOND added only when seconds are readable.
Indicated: h=5 m=28
